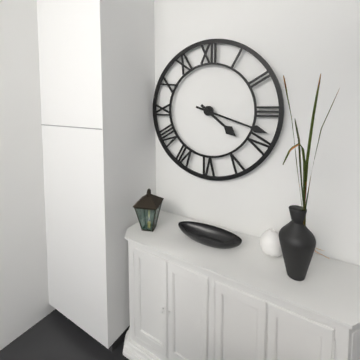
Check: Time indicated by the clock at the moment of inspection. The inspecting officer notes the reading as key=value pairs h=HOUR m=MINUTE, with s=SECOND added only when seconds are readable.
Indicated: h=4 m=18
